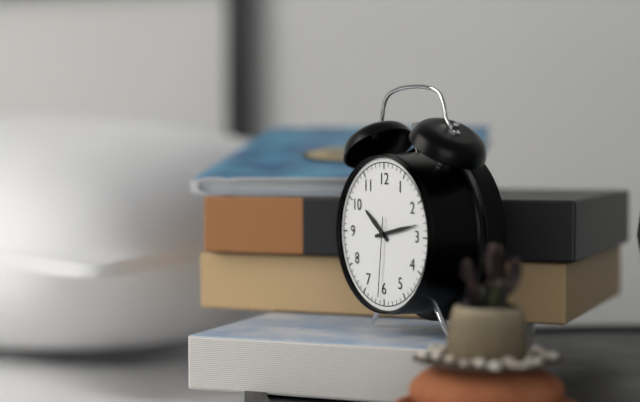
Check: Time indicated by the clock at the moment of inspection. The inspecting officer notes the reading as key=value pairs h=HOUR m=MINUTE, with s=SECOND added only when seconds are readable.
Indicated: h=10 m=13 s=31
